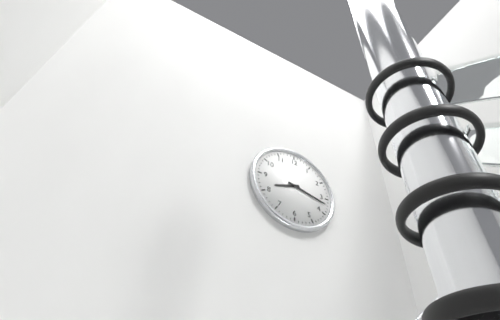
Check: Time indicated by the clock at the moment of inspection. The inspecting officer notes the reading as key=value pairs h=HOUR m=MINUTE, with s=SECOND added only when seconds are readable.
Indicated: h=8 m=17
